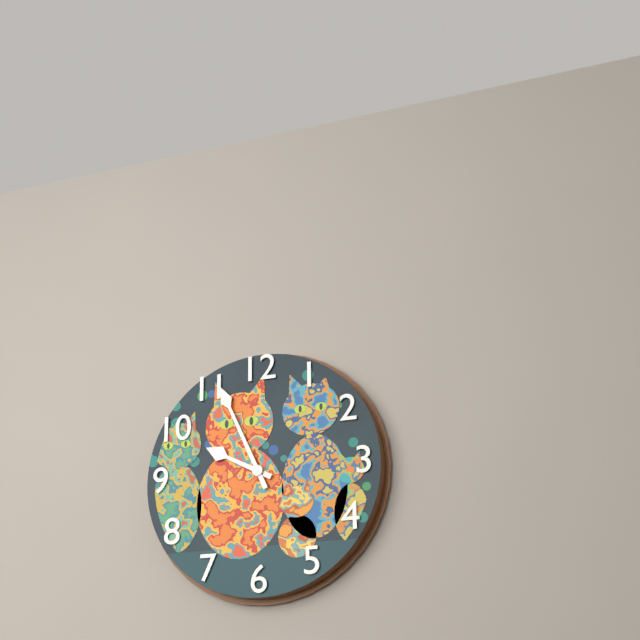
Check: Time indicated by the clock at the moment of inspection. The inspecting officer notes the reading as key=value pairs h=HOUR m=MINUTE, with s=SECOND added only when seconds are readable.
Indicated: h=9 m=56
